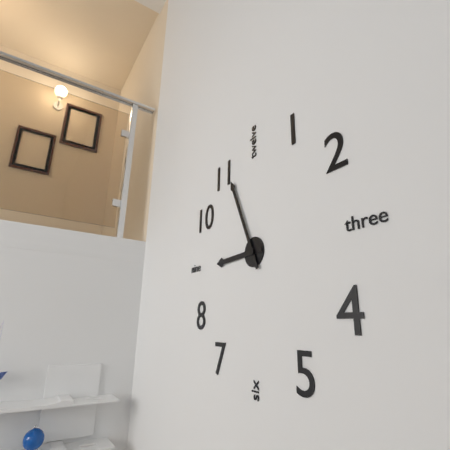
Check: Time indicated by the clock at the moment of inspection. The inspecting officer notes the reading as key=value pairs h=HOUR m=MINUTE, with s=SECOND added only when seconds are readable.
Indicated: h=8 m=56
